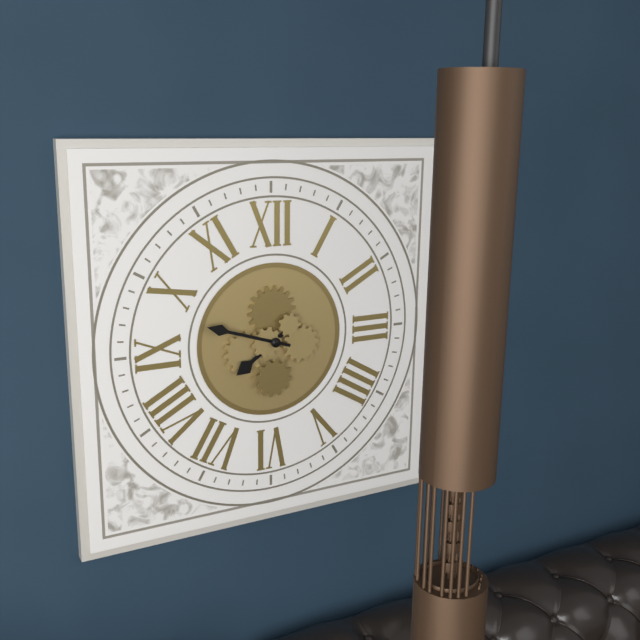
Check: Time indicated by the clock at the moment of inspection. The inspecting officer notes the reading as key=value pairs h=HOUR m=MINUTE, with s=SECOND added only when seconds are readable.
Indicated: h=7 m=48
